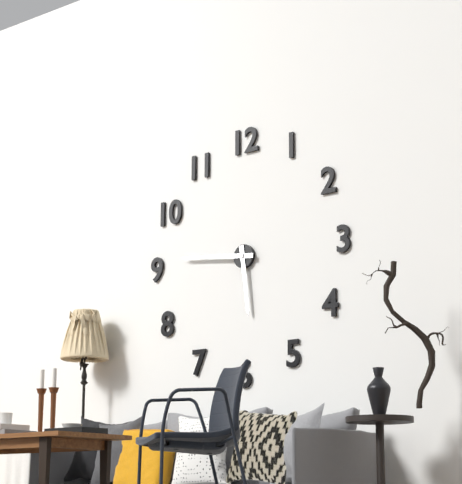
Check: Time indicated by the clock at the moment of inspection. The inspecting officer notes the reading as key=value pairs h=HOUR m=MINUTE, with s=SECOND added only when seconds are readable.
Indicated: h=5 m=46
